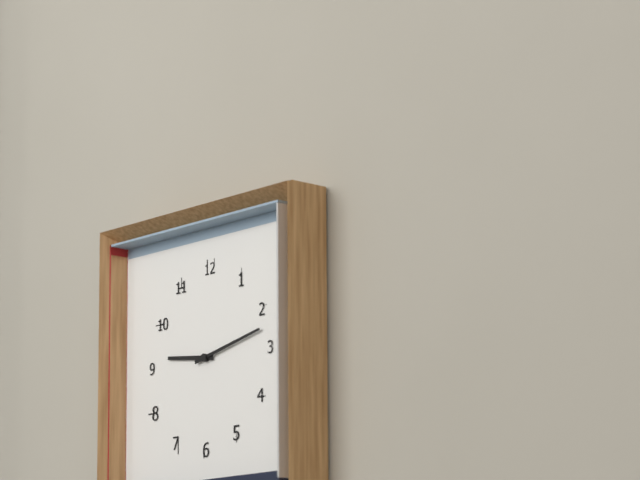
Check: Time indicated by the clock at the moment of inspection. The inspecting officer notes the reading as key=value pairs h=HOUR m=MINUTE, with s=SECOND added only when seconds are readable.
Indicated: h=9 m=13
